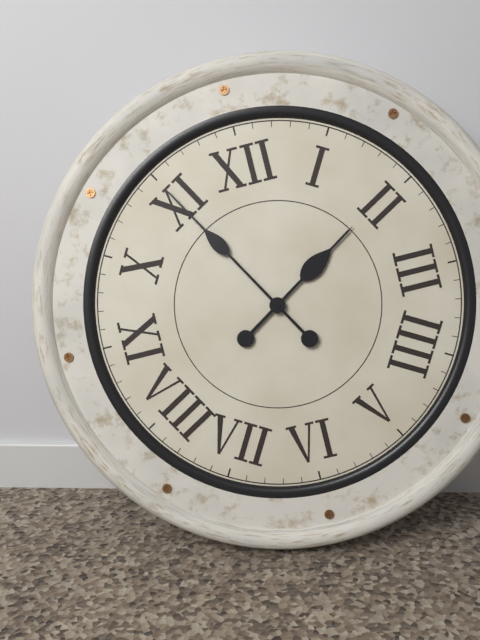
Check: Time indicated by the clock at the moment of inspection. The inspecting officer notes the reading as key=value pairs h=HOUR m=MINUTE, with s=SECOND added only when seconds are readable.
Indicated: h=1 m=55
